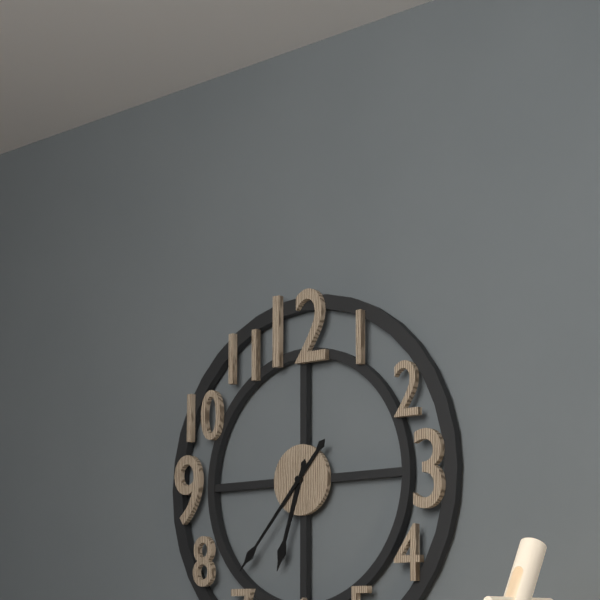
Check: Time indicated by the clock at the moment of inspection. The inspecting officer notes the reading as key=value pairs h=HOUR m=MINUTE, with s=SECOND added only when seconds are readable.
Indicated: h=6 m=37
